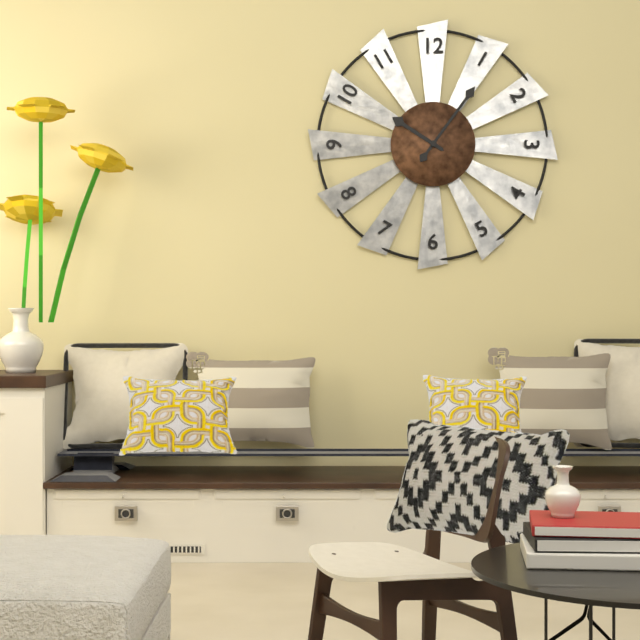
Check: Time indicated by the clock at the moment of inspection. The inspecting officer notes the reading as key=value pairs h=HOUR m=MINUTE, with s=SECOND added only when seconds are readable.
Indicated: h=10 m=6
